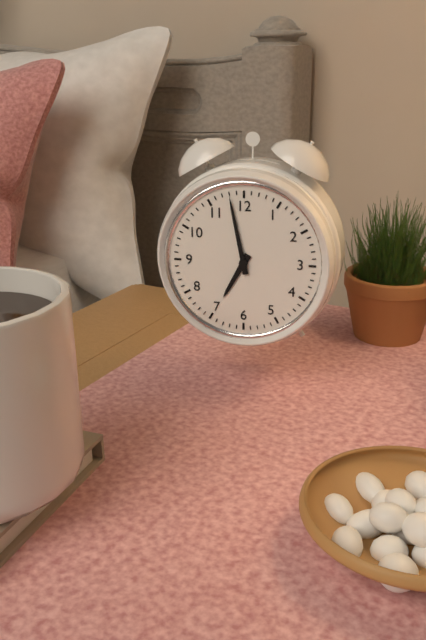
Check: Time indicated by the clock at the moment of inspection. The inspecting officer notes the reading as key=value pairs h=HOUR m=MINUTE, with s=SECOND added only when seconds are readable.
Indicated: h=6 m=58
